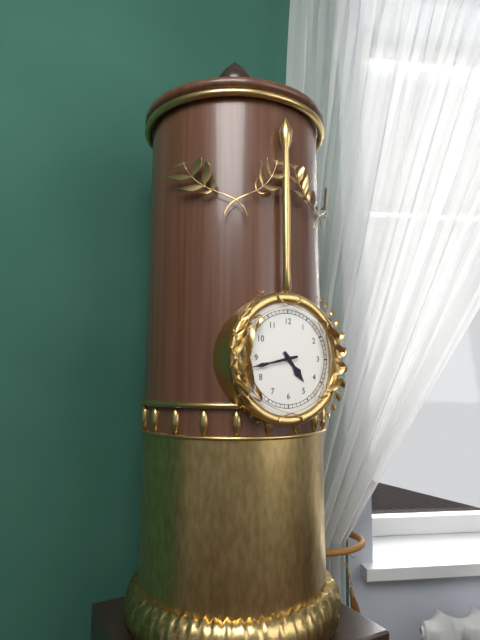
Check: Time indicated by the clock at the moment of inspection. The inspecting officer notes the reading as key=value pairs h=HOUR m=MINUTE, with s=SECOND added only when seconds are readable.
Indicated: h=4 m=43
